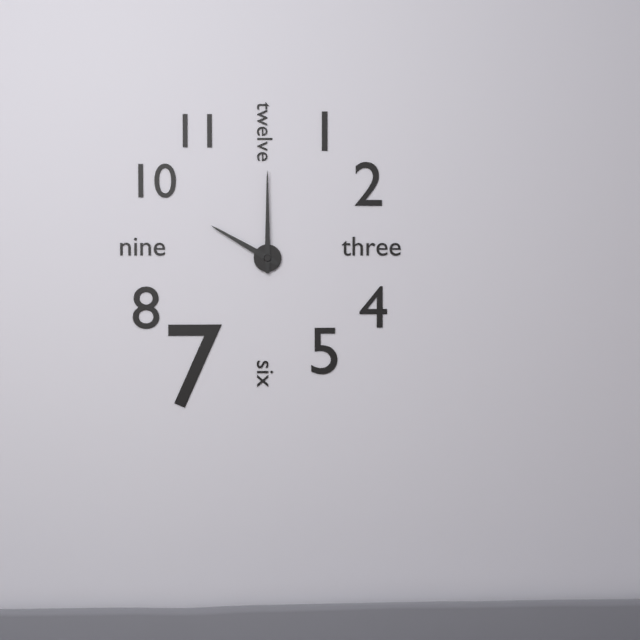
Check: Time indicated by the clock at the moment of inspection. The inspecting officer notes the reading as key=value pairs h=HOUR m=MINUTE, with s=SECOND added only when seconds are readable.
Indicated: h=10 m=0
